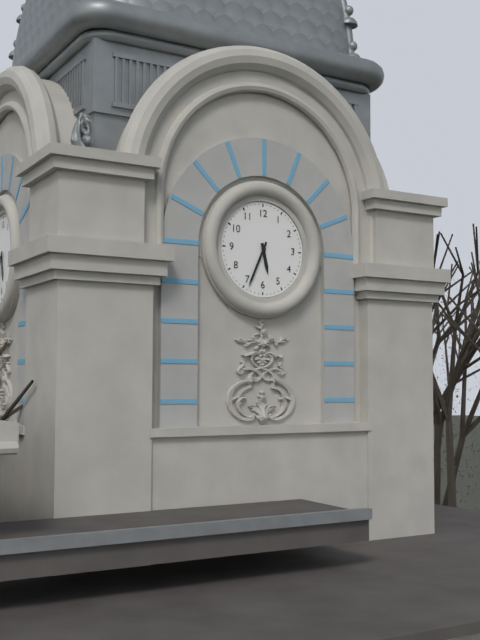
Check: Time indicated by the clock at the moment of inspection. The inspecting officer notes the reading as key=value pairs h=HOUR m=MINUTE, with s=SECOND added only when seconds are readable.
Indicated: h=5 m=34
